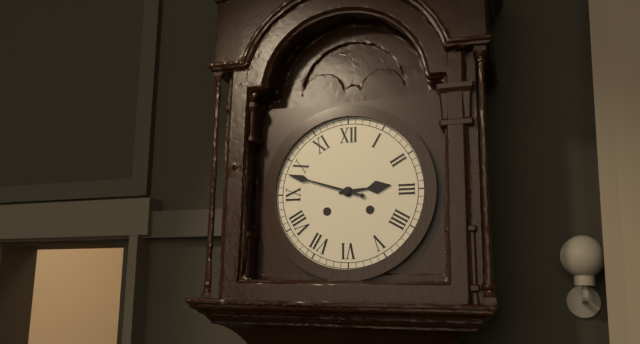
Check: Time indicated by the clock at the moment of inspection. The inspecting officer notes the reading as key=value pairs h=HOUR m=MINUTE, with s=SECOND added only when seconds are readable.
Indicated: h=2 m=48
